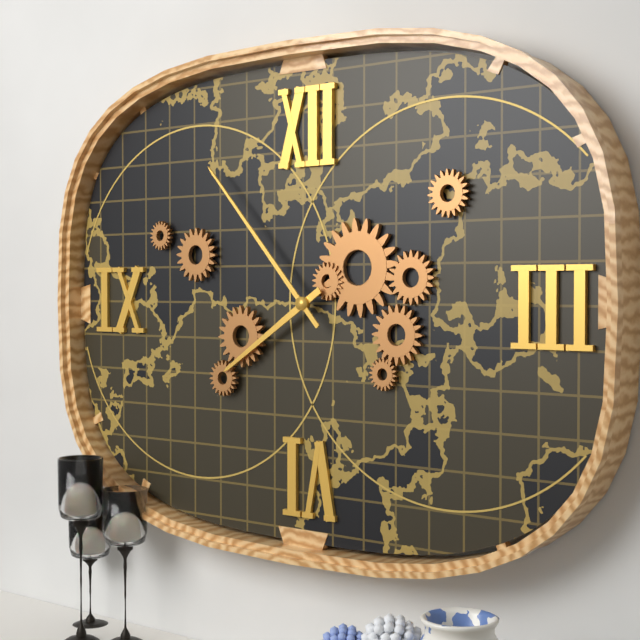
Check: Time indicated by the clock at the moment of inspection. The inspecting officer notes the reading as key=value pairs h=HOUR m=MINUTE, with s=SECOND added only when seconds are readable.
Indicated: h=7 m=53
